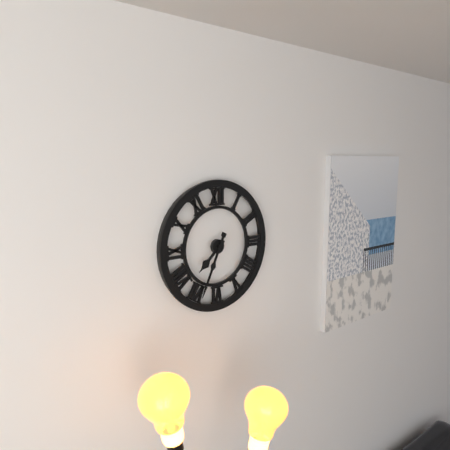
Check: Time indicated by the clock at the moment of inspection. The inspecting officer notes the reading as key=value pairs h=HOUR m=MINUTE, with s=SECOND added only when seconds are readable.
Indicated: h=7 m=34
